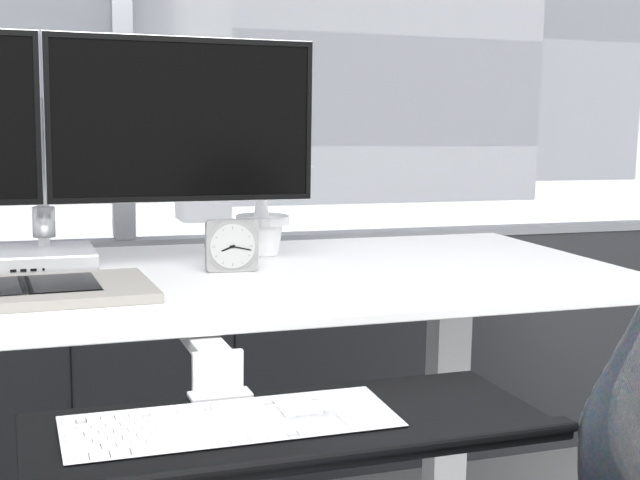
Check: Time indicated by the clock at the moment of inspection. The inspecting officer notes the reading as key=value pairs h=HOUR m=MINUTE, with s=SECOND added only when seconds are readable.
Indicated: h=8 m=17
